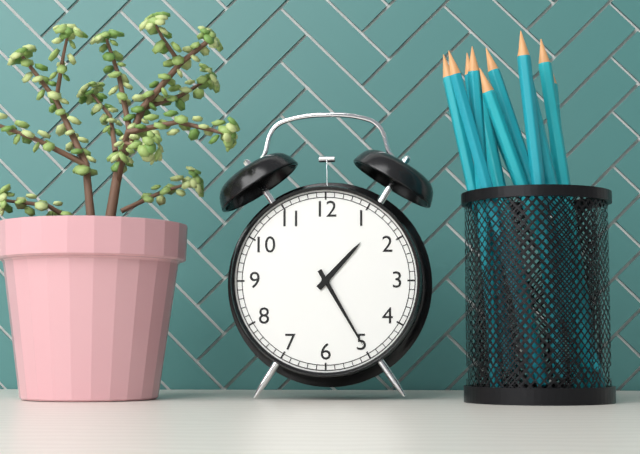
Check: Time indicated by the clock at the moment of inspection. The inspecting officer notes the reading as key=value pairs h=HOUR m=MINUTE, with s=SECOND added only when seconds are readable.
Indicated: h=1 m=25
